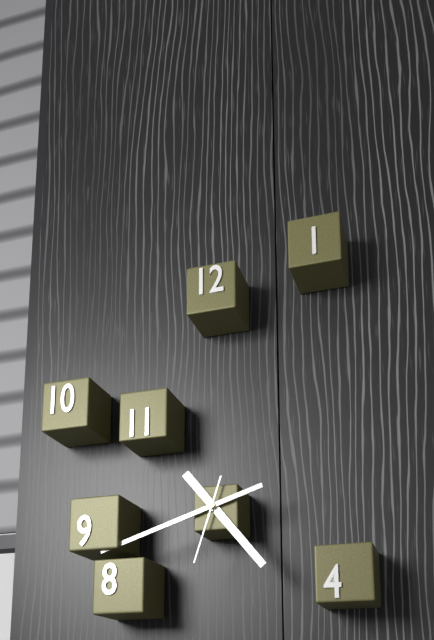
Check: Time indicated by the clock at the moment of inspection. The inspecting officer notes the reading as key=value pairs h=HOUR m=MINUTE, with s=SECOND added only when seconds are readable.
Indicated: h=4 m=42 s=33
